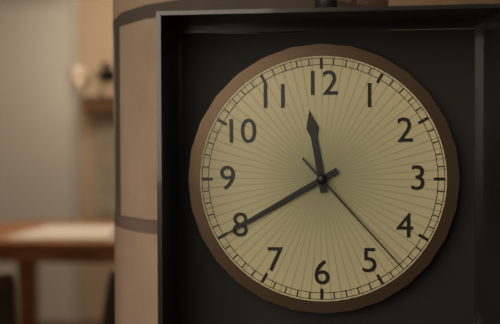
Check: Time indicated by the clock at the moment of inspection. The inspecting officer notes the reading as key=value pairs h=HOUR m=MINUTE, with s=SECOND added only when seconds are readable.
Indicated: h=11 m=40 s=23
